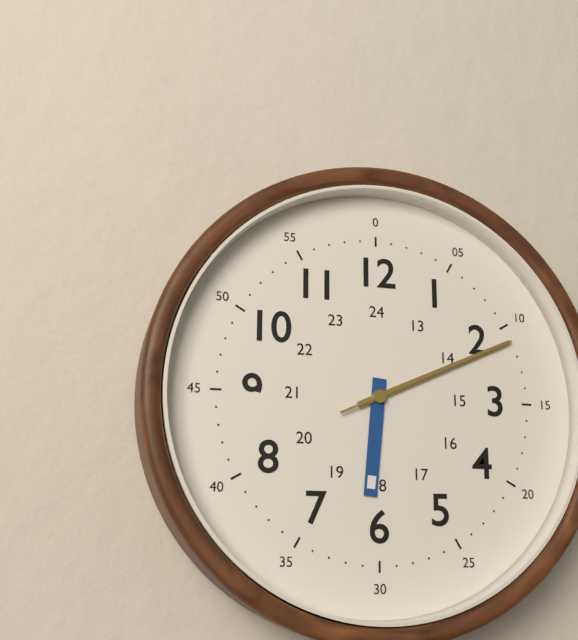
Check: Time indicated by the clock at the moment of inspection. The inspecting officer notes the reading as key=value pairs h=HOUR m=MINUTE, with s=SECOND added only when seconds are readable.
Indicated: h=6 m=11 s=11
